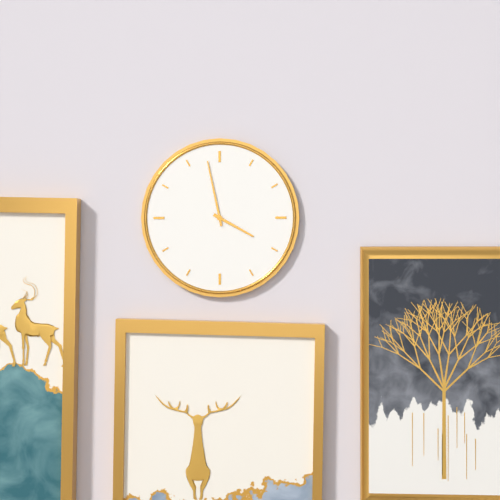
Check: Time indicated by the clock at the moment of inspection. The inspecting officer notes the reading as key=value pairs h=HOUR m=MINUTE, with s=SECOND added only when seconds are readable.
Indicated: h=3 m=58
